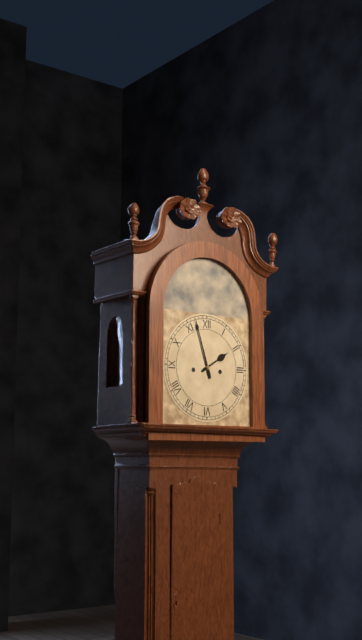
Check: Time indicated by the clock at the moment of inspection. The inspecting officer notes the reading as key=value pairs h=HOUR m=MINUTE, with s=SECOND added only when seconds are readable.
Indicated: h=1 m=57
